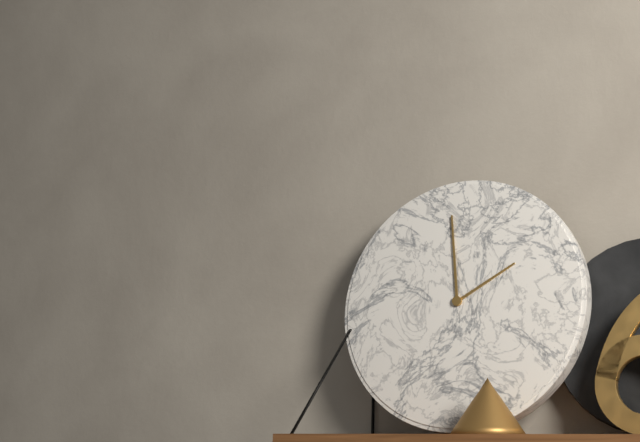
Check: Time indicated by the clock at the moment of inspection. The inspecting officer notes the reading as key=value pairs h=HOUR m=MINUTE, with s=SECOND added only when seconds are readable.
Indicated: h=1 m=59
